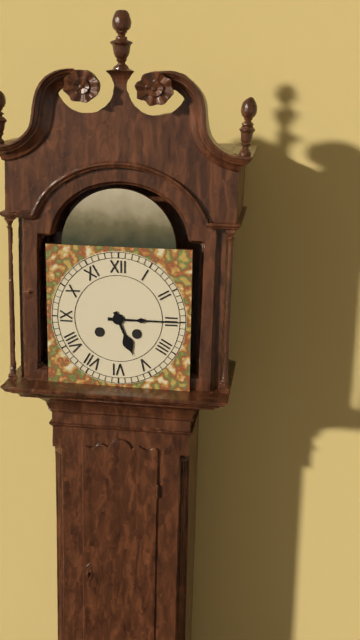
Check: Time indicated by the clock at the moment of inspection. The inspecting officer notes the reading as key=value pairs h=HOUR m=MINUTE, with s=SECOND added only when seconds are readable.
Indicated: h=5 m=15
